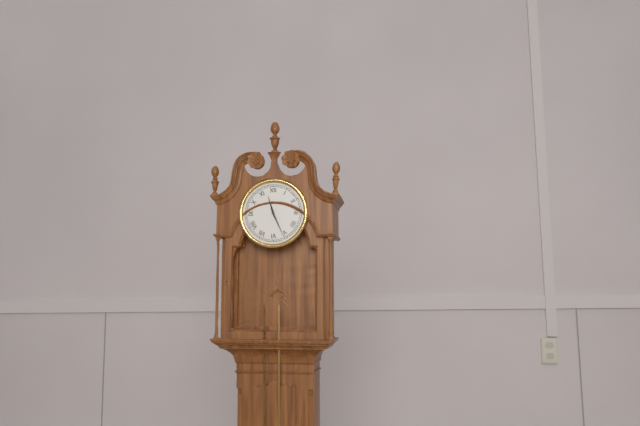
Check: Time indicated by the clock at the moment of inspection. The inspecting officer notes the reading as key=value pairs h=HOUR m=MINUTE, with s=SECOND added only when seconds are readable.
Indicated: h=11 m=26
